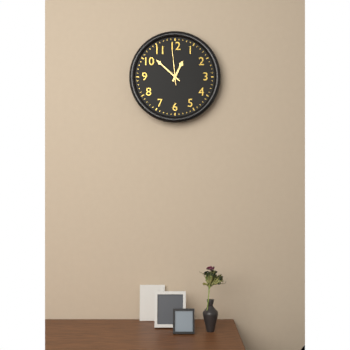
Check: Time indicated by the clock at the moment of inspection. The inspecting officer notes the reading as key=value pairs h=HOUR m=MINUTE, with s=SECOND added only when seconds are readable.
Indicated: h=12 m=52
